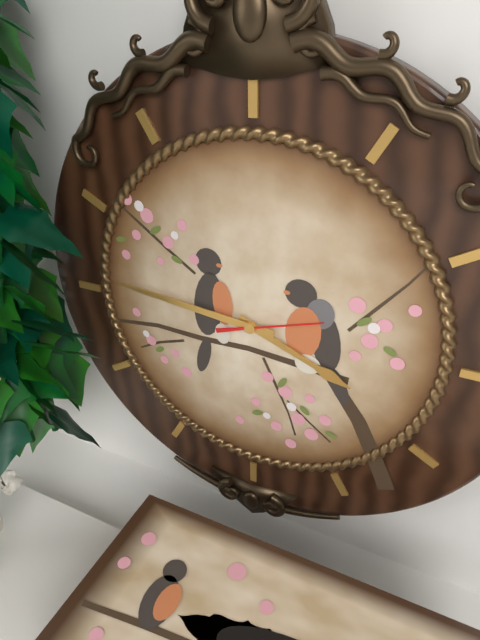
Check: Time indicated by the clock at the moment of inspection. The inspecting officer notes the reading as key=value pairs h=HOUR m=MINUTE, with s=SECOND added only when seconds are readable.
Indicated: h=3 m=46 s=12
